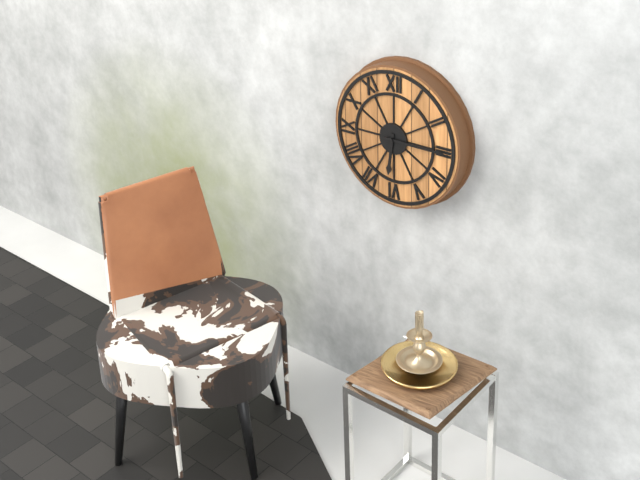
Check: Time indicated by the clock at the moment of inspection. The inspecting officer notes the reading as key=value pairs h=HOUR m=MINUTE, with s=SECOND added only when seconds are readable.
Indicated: h=6 m=15
